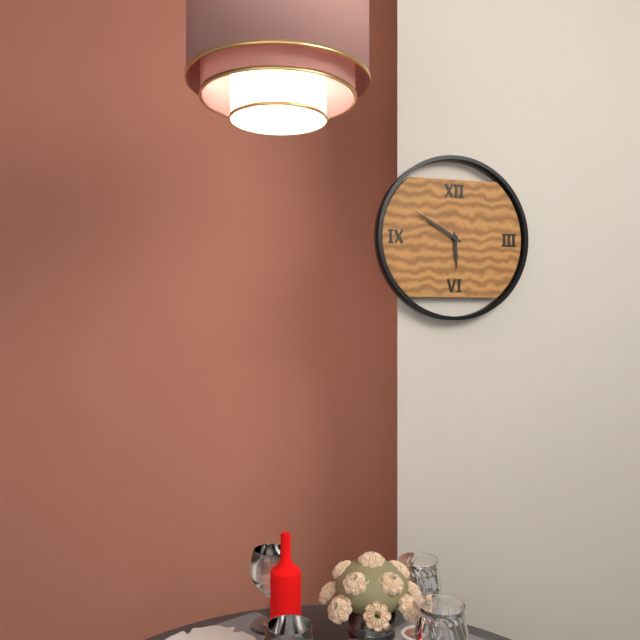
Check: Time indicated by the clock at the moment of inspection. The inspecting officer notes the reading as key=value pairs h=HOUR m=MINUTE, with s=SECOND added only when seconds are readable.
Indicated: h=5 m=50
